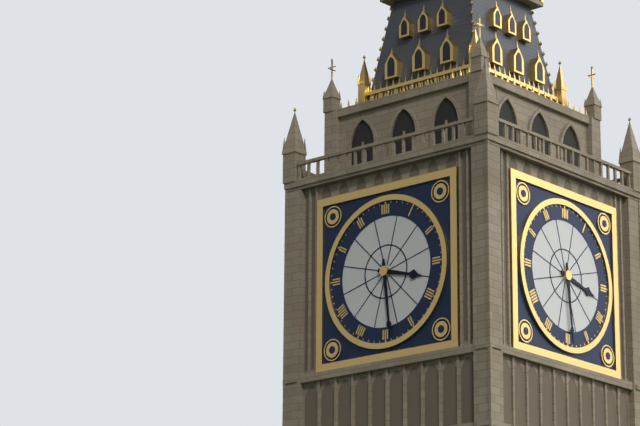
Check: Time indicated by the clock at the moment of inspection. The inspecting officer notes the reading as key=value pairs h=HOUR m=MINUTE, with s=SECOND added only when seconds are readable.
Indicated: h=3 m=29
